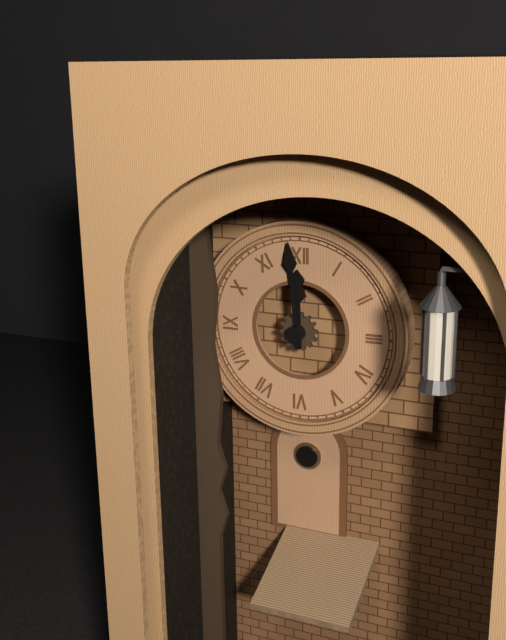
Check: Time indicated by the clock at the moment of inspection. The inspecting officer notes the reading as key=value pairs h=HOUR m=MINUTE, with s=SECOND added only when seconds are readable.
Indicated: h=11 m=59
